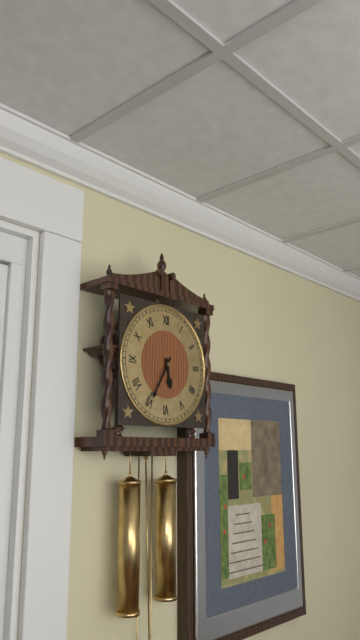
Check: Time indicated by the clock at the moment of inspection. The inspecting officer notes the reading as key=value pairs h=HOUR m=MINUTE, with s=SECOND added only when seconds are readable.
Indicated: h=5 m=35
